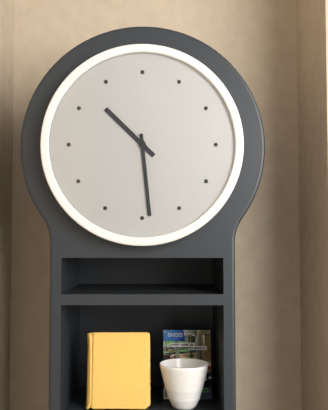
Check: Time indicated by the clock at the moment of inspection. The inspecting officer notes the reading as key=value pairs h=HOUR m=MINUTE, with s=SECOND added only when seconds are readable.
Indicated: h=10 m=29
